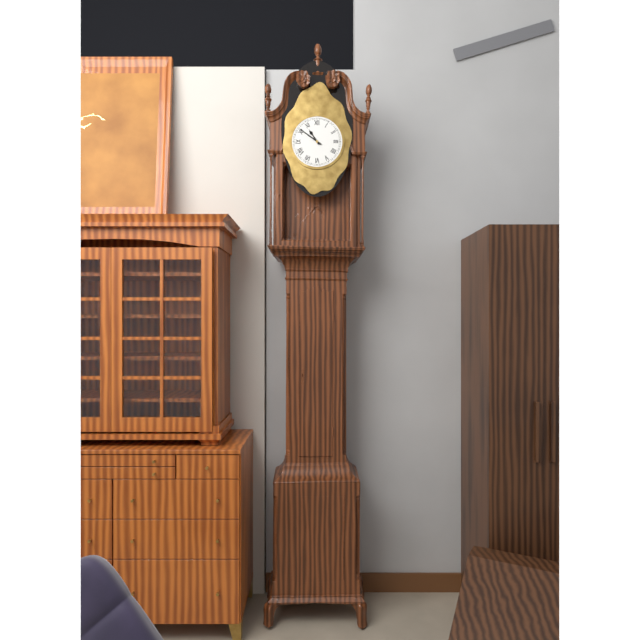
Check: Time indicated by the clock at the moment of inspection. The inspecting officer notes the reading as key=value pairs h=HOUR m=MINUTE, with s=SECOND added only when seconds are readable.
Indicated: h=10 m=51
